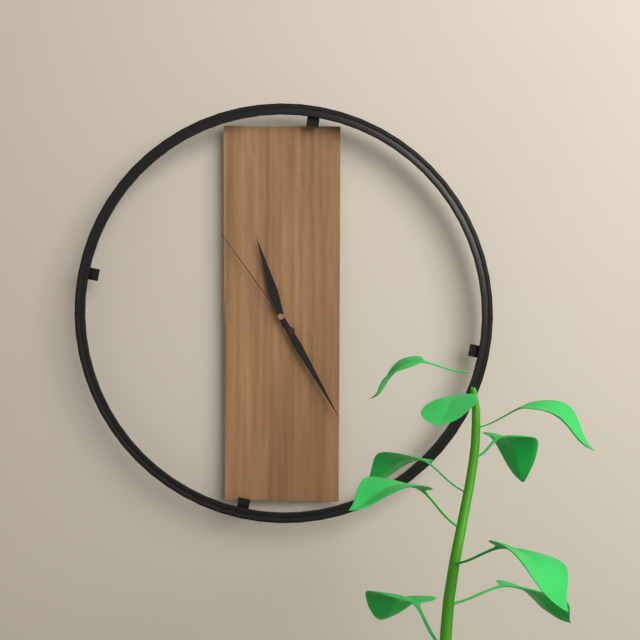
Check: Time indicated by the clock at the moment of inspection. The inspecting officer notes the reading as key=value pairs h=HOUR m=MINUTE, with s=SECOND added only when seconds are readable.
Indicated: h=11 m=25 s=54
